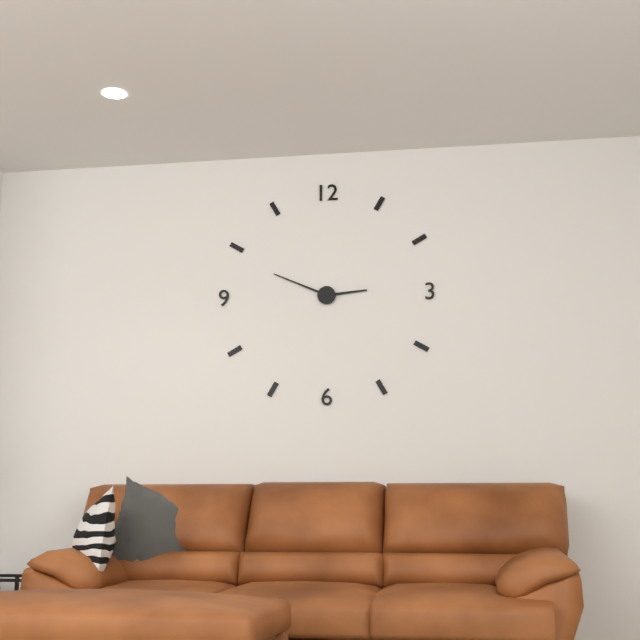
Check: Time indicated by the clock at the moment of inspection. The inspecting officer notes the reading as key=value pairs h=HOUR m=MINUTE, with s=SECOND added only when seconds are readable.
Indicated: h=2 m=49
